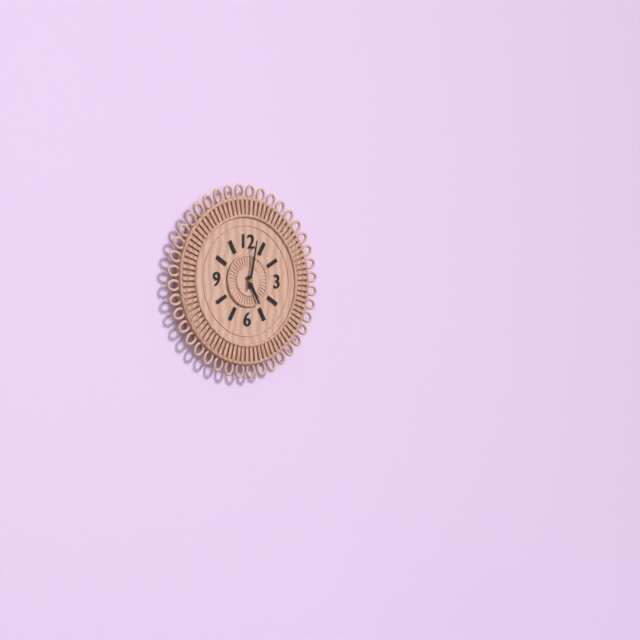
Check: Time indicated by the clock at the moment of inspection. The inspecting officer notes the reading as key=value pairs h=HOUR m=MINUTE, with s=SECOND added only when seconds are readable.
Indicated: h=5 m=2
